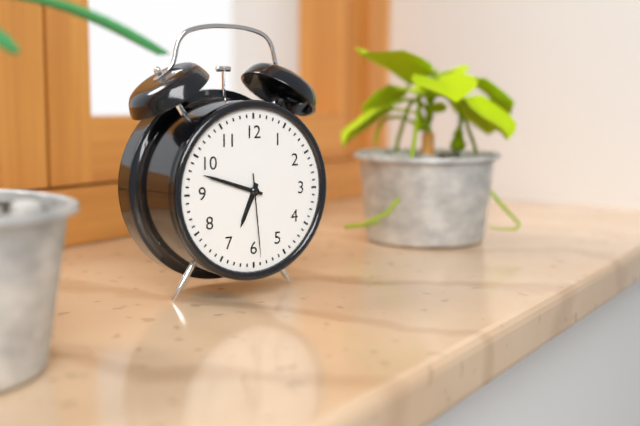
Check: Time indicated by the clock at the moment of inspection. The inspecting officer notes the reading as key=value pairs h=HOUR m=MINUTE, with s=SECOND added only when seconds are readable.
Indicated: h=6 m=48 s=29
